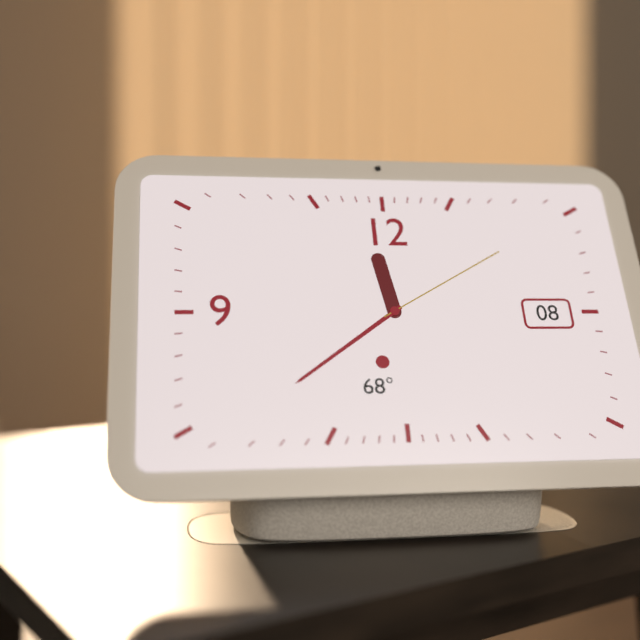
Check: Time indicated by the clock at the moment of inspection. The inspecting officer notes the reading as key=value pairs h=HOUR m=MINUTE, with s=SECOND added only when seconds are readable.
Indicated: h=11 m=39 s=10
